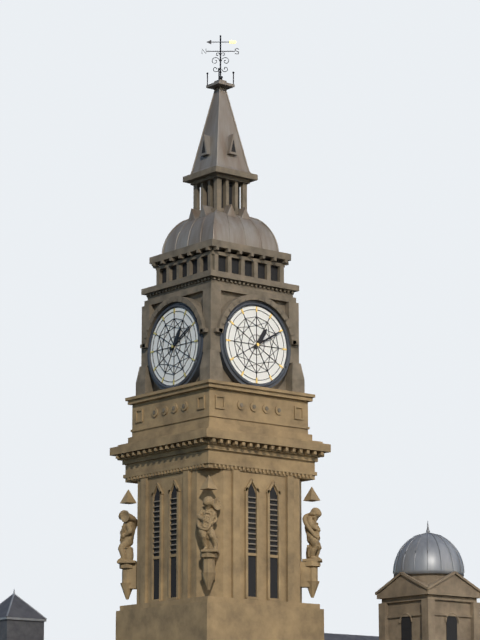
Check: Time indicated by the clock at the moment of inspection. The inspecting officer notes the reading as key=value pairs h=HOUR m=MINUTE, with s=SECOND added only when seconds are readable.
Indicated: h=1 m=10
